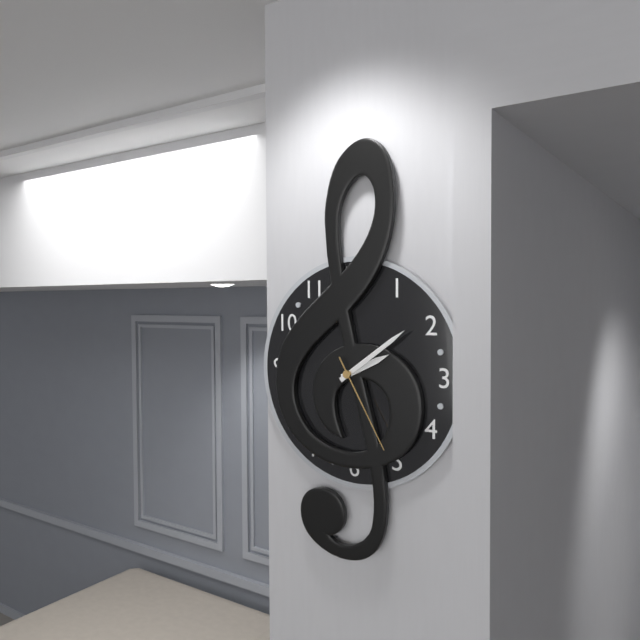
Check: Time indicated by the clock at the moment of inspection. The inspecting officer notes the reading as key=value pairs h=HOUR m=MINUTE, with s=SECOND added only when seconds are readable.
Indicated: h=2 m=9 s=25
